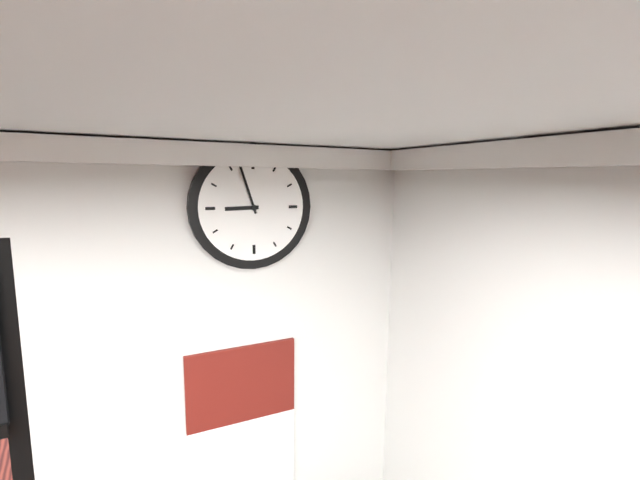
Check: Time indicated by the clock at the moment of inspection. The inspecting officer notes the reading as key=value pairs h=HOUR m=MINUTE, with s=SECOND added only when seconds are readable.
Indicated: h=8 m=57
